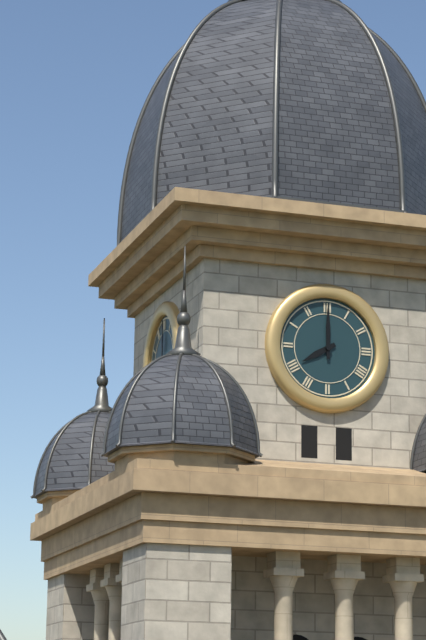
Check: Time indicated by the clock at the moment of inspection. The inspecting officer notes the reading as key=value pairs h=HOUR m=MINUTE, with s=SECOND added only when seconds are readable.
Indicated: h=8 m=0
